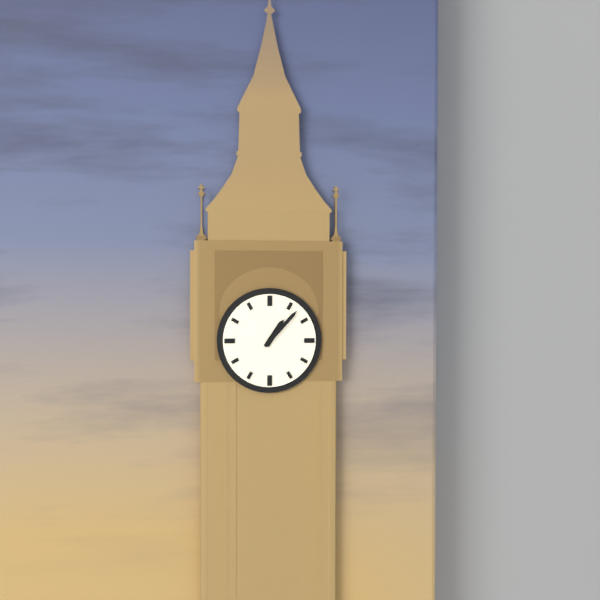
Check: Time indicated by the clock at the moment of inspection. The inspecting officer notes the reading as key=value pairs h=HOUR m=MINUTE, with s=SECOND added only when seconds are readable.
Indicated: h=1 m=7
